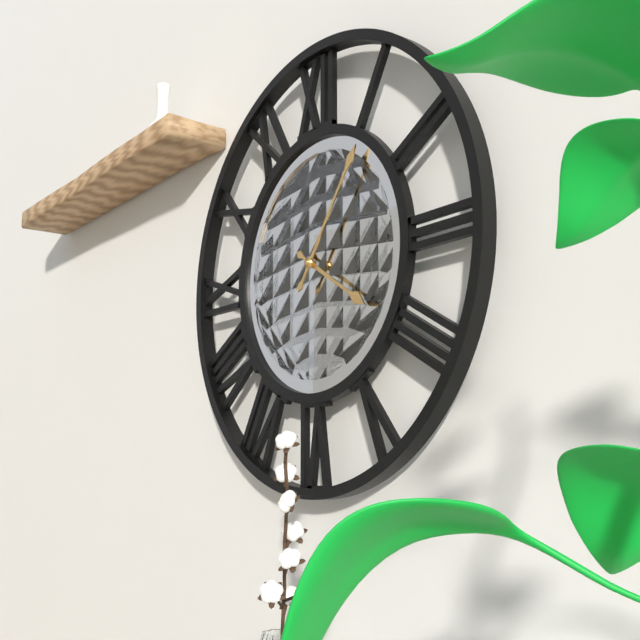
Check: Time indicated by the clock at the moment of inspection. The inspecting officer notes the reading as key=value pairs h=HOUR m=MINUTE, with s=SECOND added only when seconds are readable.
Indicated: h=4 m=6
